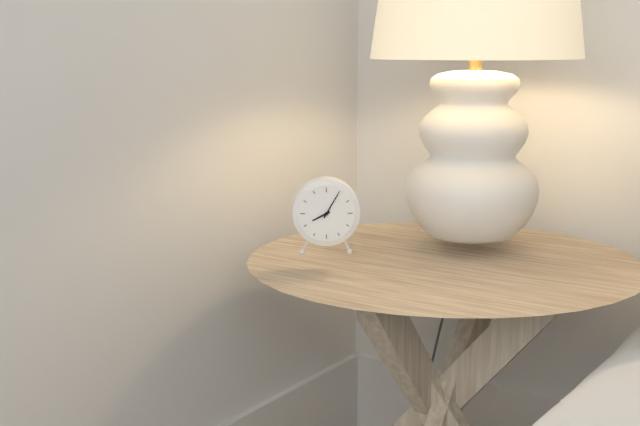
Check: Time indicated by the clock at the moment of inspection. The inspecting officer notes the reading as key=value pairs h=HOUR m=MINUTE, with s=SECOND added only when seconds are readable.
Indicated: h=8 m=5
